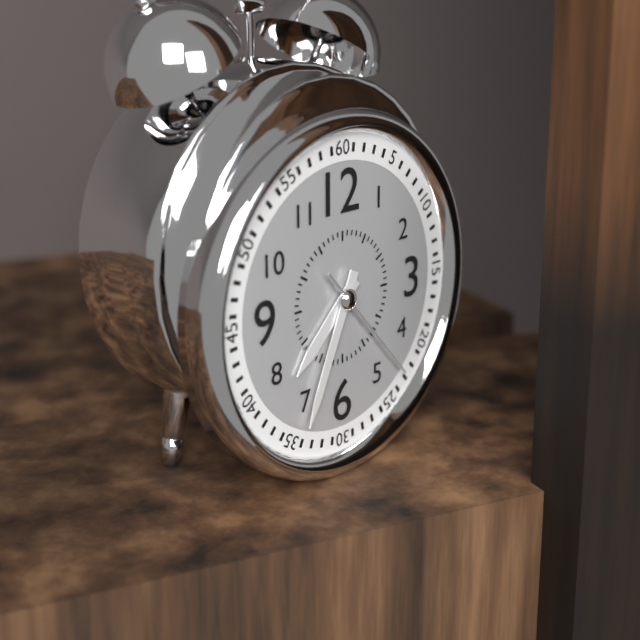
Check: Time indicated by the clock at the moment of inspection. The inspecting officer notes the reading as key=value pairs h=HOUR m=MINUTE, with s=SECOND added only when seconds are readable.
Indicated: h=7 m=34 s=23
